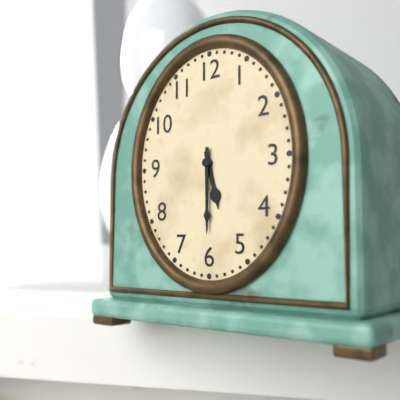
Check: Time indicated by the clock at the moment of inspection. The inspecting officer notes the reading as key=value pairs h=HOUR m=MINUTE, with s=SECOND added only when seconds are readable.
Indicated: h=5 m=30
